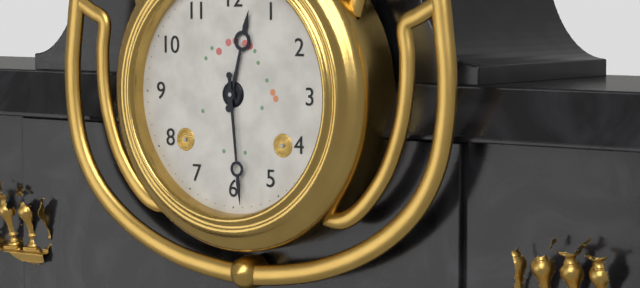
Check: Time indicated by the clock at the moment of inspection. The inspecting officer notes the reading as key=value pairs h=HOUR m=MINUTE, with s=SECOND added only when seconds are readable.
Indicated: h=12 m=29
